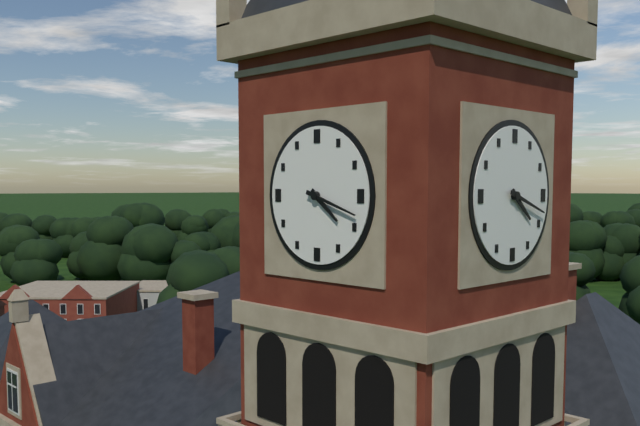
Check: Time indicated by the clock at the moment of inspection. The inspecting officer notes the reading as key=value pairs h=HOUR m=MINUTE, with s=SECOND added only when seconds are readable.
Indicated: h=4 m=18
